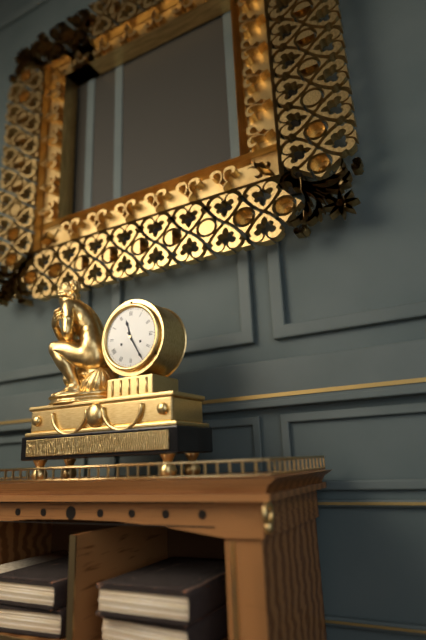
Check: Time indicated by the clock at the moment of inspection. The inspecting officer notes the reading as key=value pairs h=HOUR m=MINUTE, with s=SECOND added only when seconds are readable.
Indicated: h=11 m=25
